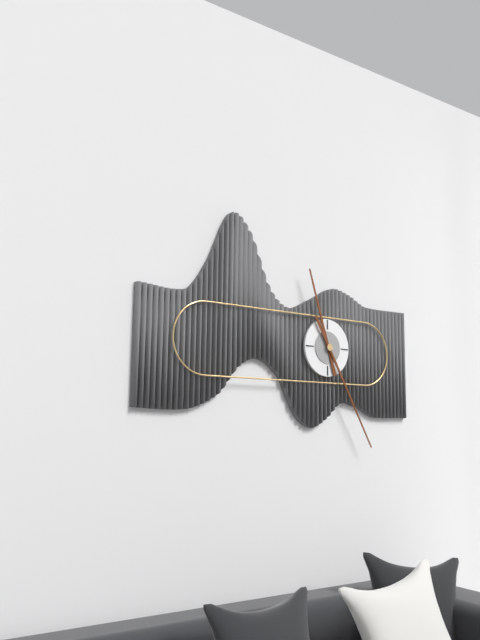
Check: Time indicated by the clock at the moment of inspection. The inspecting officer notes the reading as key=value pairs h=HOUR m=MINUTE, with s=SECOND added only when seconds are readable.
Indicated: h=11 m=25
